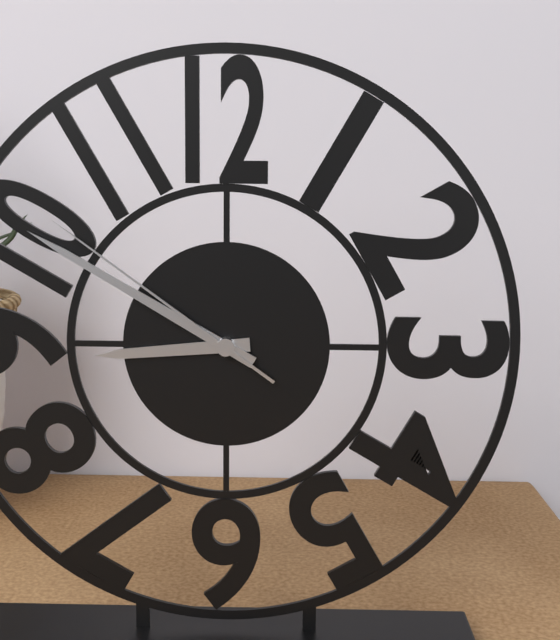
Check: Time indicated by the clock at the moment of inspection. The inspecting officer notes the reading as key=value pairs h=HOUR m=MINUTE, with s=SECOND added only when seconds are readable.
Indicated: h=8 m=50 s=51
